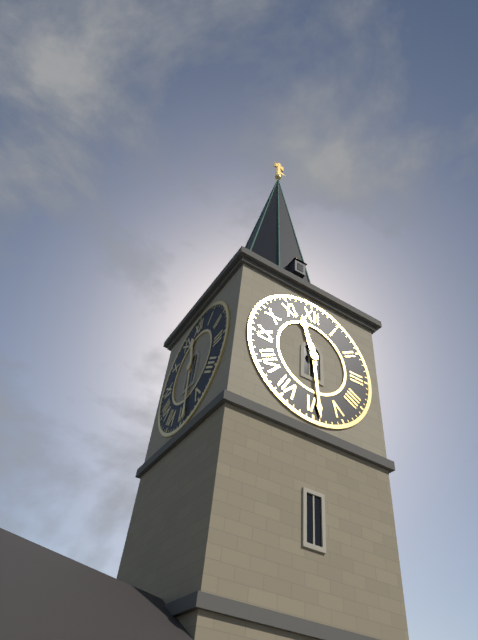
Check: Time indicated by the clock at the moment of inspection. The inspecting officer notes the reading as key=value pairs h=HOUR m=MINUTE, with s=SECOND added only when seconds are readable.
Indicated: h=11 m=29
